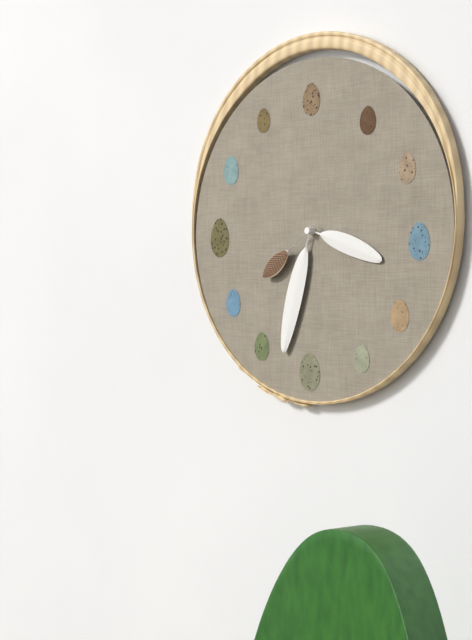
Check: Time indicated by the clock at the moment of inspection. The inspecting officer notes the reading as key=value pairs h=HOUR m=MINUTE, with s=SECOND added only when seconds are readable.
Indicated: h=3 m=33 s=39
